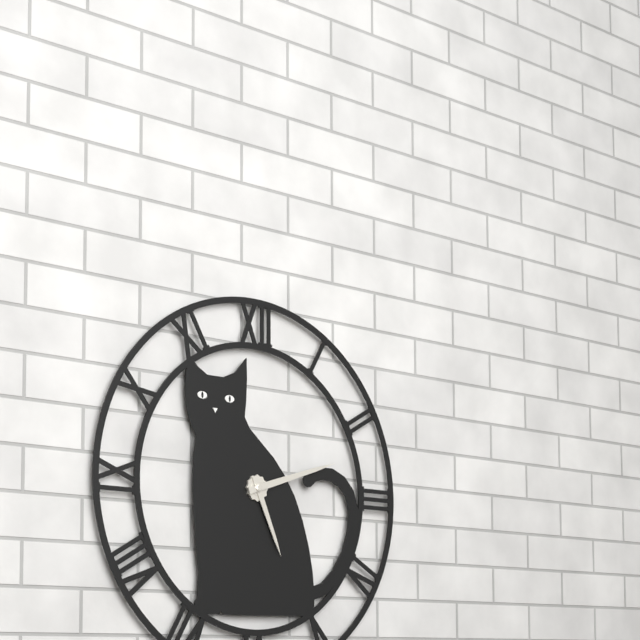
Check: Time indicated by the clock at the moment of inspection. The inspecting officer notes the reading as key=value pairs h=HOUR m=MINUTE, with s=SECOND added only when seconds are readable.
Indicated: h=5 m=12
